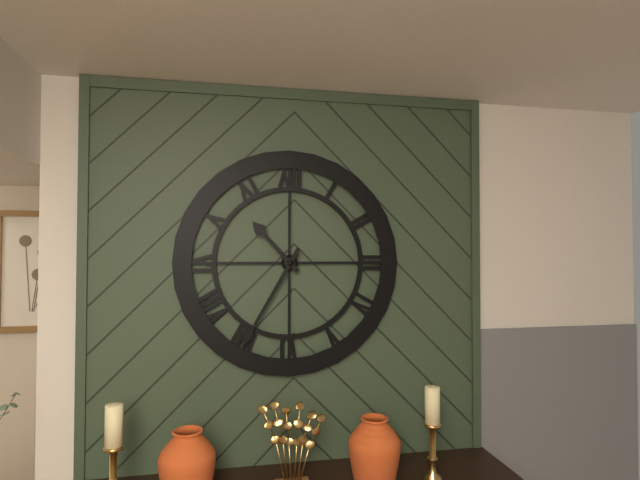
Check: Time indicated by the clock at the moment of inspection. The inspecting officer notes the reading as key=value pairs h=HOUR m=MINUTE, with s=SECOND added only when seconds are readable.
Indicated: h=10 m=35
